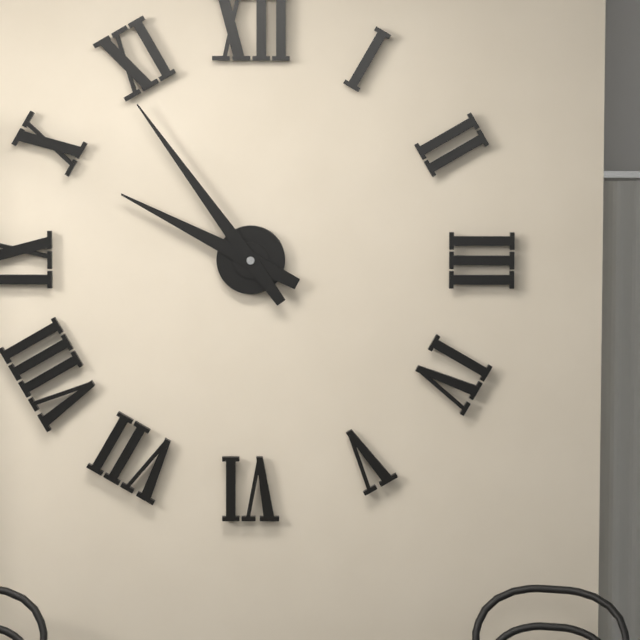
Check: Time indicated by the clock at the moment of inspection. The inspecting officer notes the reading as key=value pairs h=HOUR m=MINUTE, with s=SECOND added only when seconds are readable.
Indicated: h=9 m=54
